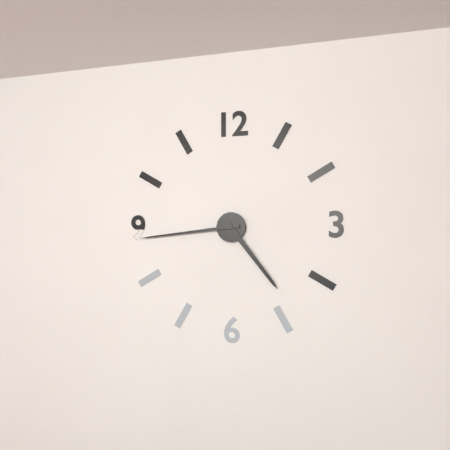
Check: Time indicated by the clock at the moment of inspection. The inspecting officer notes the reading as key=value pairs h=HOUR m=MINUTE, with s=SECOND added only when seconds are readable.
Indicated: h=4 m=44
